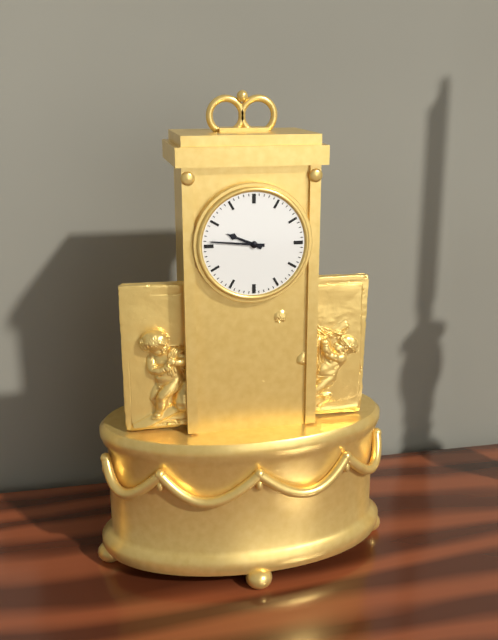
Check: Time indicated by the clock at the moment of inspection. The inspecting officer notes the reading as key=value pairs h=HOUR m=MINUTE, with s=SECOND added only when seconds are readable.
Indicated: h=9 m=46
